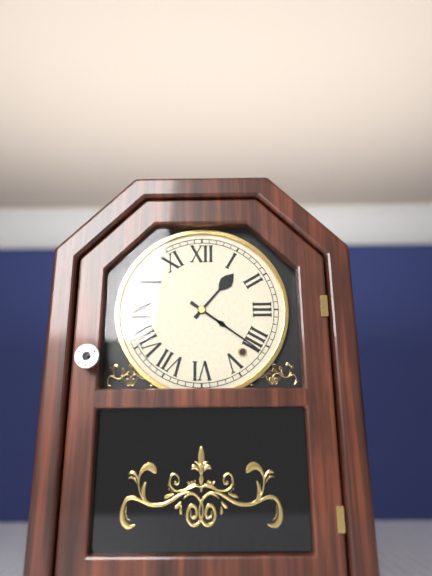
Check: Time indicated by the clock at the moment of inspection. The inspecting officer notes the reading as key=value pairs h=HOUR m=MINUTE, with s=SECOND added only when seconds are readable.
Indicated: h=1 m=21
